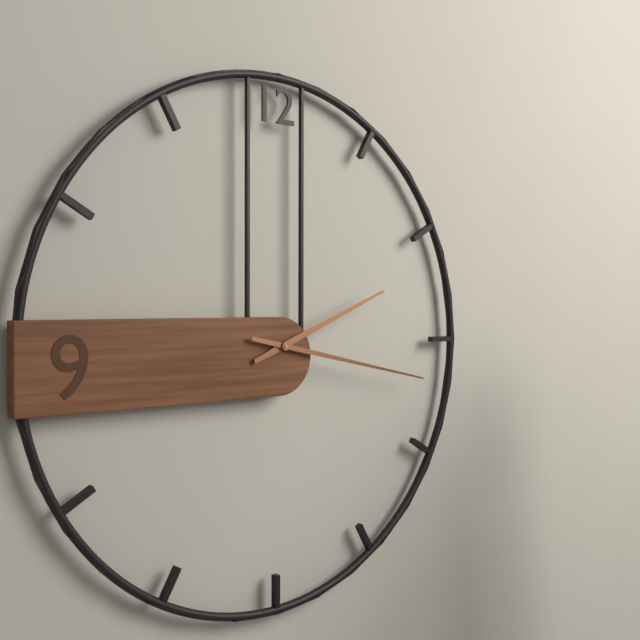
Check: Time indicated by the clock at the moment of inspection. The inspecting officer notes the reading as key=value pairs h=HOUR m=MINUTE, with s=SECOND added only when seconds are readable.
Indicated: h=2 m=17
